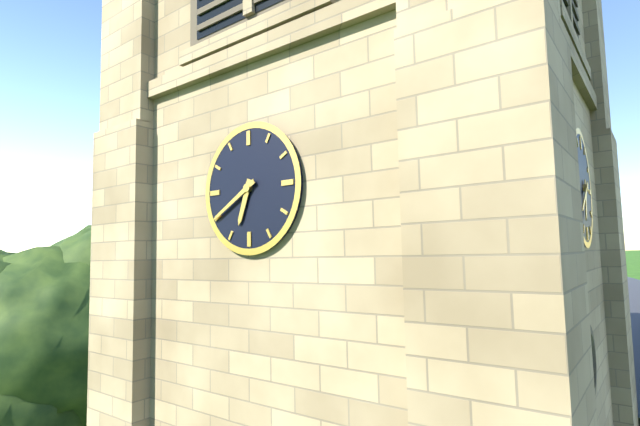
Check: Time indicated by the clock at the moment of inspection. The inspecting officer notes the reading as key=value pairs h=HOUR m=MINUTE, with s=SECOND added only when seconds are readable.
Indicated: h=6 m=40
